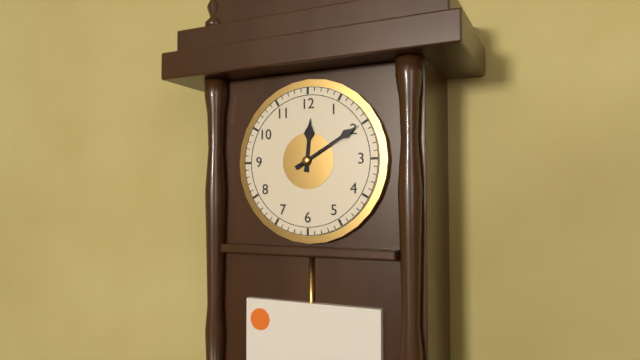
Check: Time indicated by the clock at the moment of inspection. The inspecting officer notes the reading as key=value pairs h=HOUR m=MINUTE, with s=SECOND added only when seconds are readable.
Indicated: h=12 m=10
